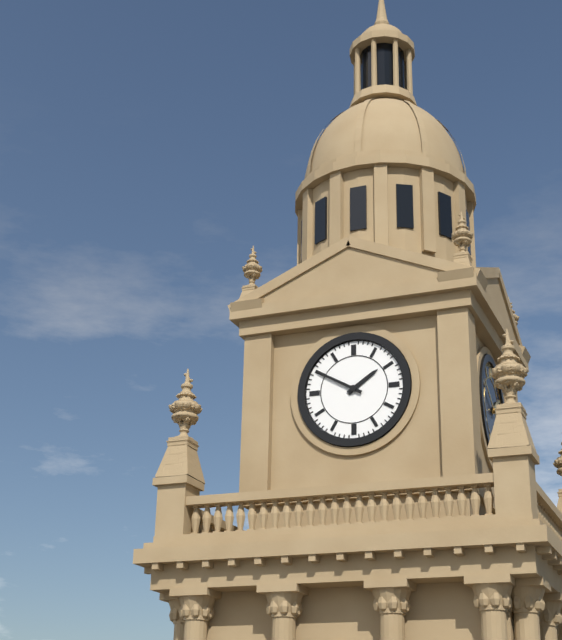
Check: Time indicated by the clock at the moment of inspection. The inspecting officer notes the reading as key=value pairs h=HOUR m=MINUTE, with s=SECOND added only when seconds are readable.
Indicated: h=1 m=50
